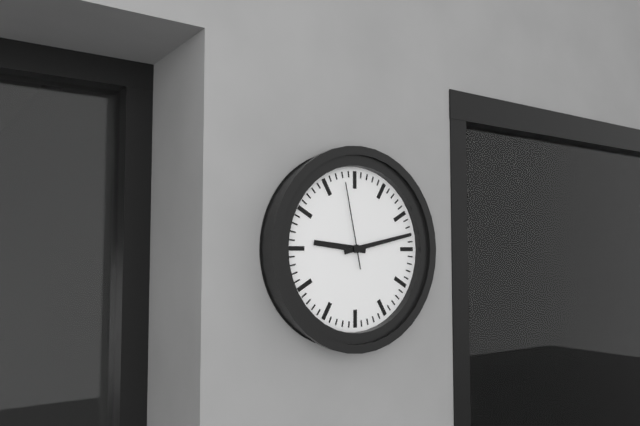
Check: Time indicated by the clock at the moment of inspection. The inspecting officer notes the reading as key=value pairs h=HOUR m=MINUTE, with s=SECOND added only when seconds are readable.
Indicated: h=9 m=13 s=58
